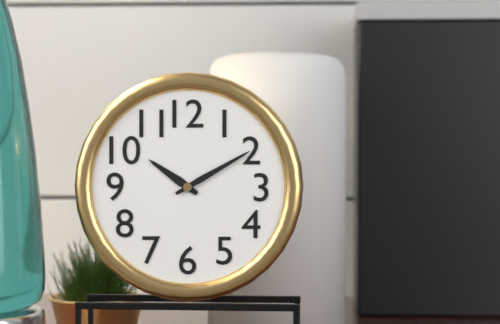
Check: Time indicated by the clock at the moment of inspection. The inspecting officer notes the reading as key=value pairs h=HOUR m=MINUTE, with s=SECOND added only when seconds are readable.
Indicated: h=10 m=10
